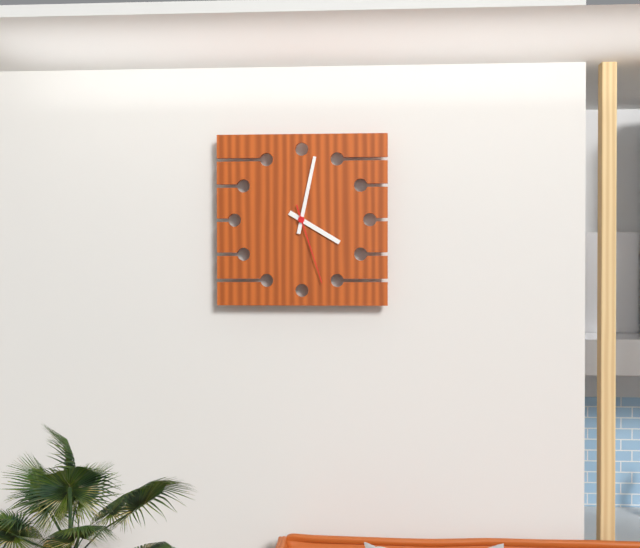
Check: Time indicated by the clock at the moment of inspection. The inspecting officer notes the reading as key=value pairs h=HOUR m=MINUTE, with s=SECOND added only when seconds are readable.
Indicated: h=4 m=2 s=27
